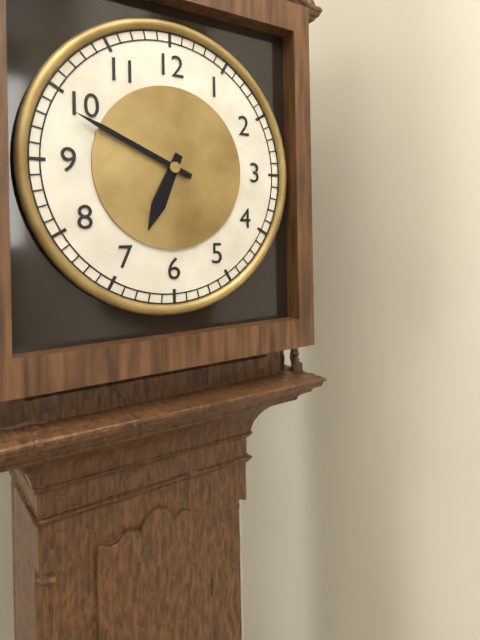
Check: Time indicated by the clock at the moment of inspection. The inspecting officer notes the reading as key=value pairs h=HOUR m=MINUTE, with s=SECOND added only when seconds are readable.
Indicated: h=6 m=49
